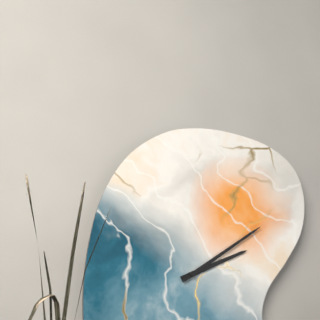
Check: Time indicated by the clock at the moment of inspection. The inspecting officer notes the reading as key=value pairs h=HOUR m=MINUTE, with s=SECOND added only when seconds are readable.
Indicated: h=2 m=9
